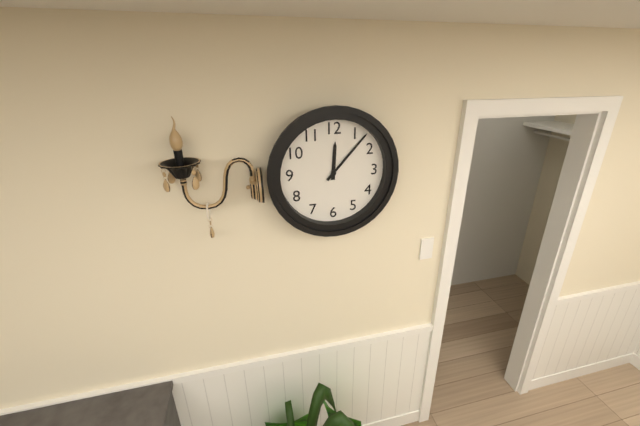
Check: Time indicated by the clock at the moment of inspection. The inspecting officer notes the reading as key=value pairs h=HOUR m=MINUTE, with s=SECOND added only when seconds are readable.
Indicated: h=12 m=7
